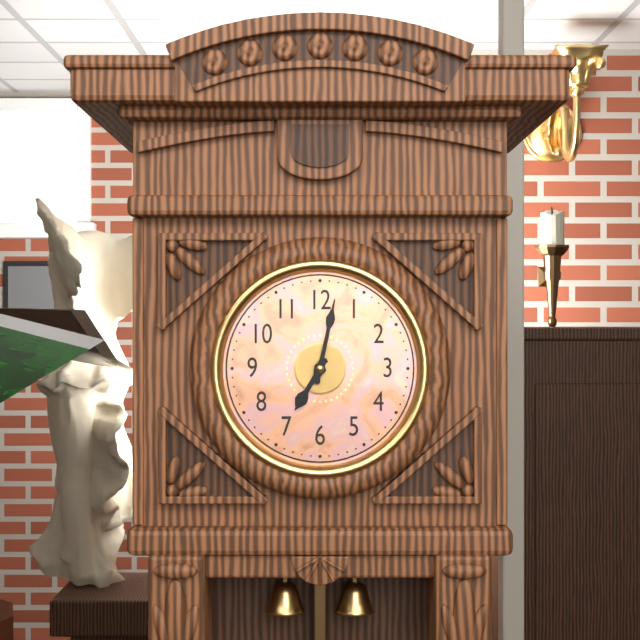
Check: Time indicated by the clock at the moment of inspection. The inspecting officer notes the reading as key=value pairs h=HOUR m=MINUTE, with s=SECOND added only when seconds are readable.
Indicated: h=7 m=2
